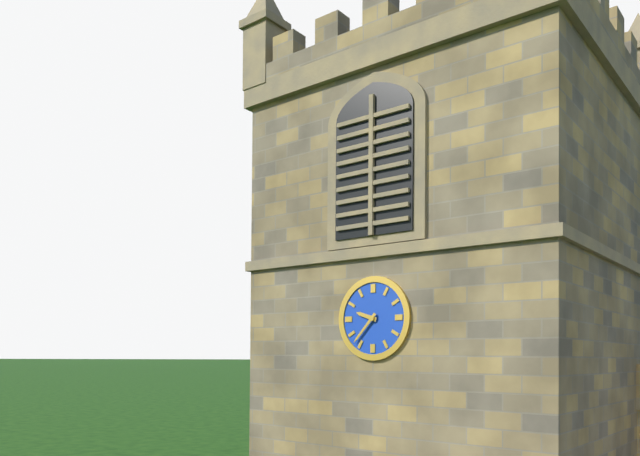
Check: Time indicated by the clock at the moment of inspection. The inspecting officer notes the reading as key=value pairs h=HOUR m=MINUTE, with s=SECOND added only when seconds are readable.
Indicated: h=9 m=37
